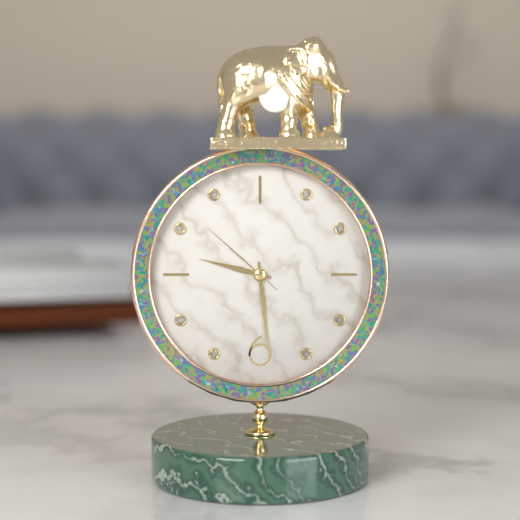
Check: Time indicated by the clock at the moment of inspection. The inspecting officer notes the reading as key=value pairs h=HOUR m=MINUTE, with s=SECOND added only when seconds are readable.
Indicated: h=9 m=29 s=52
